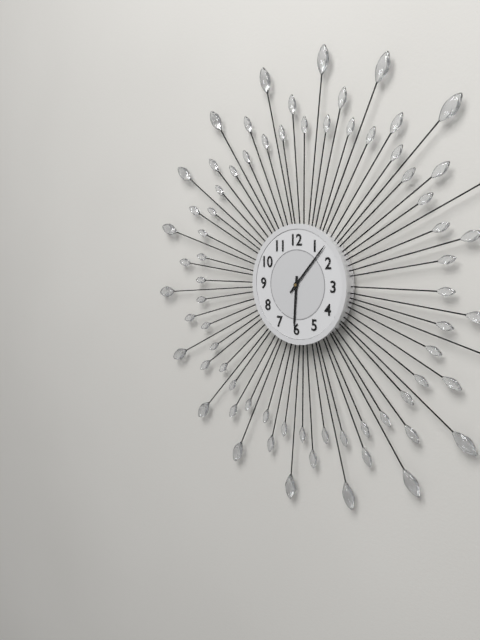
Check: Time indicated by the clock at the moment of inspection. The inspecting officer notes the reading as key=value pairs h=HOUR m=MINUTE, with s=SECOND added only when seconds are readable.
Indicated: h=6 m=7
